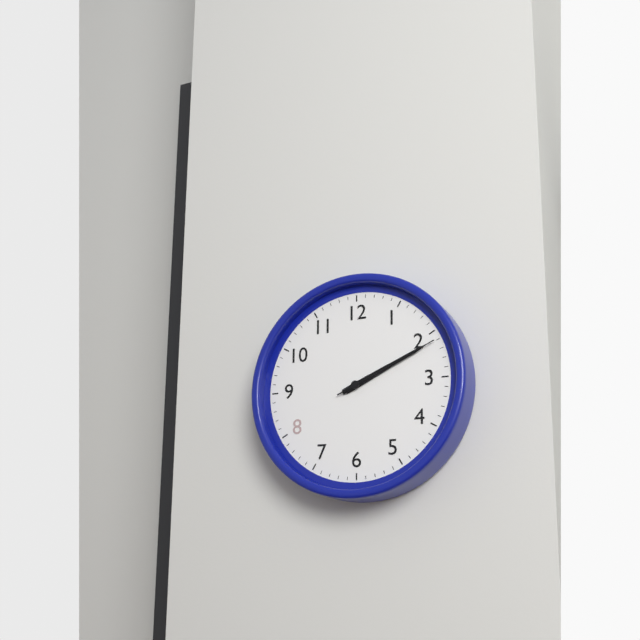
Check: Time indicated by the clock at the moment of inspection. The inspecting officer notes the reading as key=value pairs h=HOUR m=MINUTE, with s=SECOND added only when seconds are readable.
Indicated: h=2 m=11 s=11
